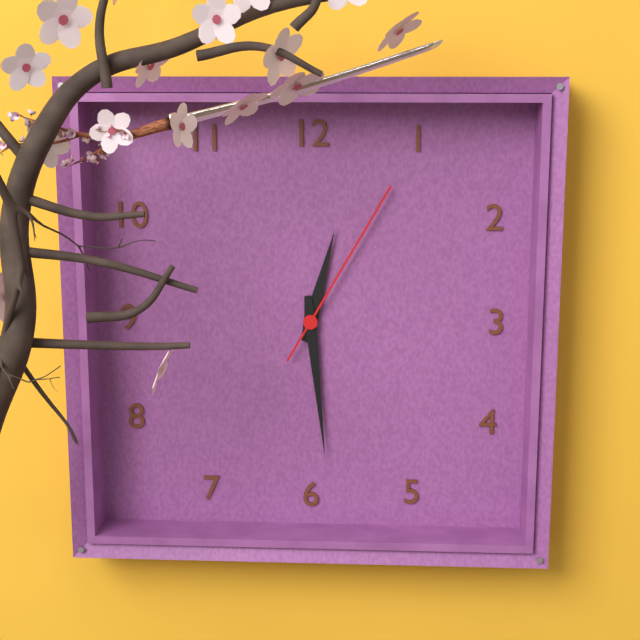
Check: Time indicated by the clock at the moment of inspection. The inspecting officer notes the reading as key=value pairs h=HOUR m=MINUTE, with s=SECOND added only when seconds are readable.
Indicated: h=12 m=29 s=5
